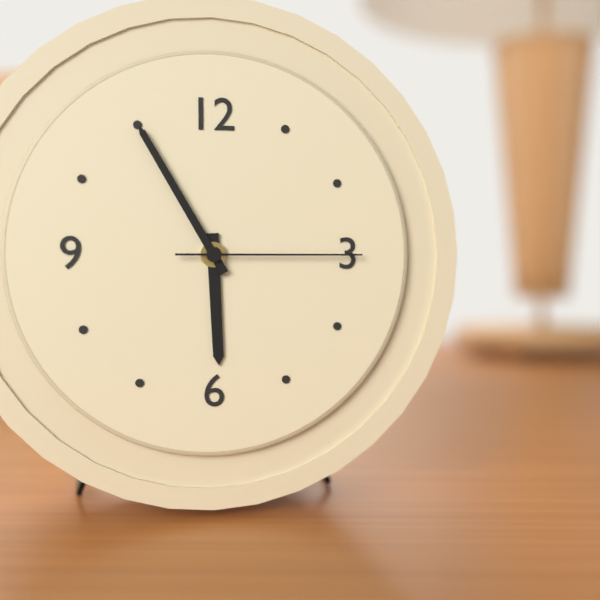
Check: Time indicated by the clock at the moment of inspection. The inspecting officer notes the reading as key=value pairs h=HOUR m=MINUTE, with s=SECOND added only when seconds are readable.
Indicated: h=5 m=55 s=15
